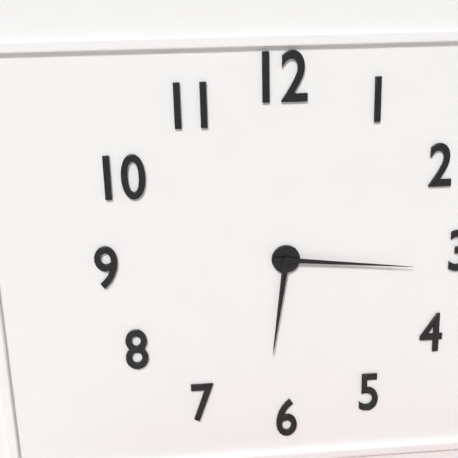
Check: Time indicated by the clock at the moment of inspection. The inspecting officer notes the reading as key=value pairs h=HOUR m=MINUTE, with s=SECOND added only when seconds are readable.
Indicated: h=6 m=16
